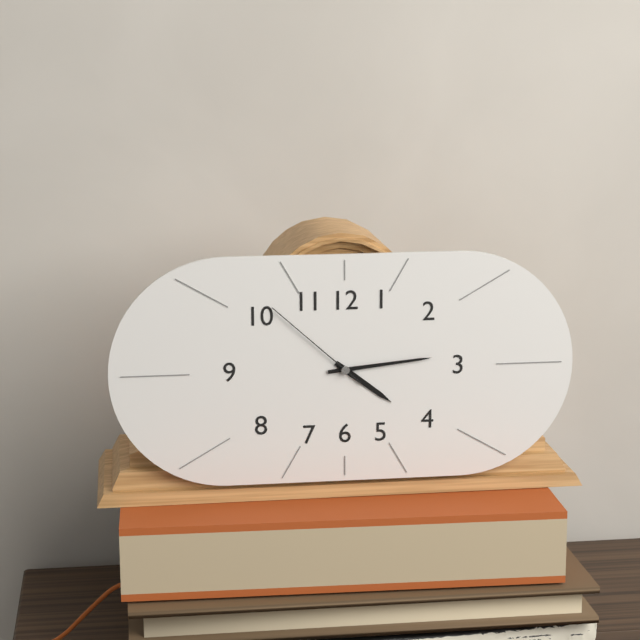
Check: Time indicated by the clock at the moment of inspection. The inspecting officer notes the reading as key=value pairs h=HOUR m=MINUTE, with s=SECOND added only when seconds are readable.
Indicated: h=4 m=14 s=52
